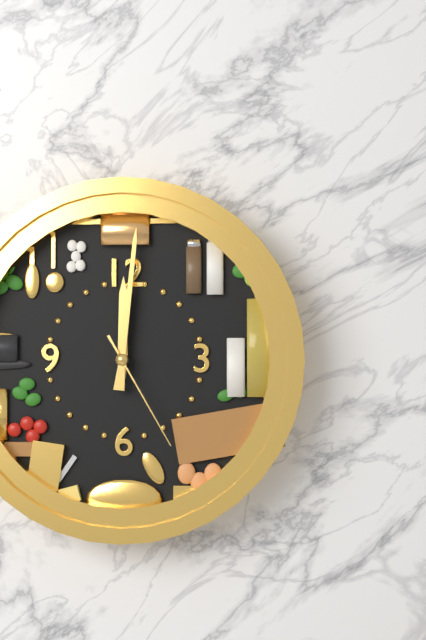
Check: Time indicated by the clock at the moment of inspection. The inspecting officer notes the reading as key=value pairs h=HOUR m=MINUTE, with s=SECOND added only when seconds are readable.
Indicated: h=12 m=1 s=25
